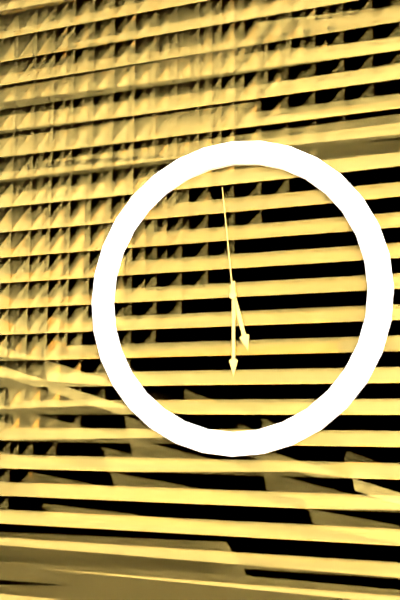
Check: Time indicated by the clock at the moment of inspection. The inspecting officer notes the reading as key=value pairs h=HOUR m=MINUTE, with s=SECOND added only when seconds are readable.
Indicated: h=5 m=30 s=59
